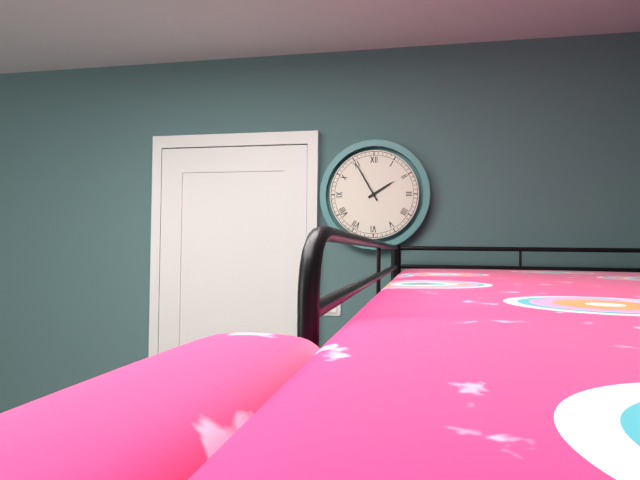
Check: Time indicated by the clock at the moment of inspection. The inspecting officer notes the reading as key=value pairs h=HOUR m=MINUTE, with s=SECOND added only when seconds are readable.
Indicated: h=1 m=55
